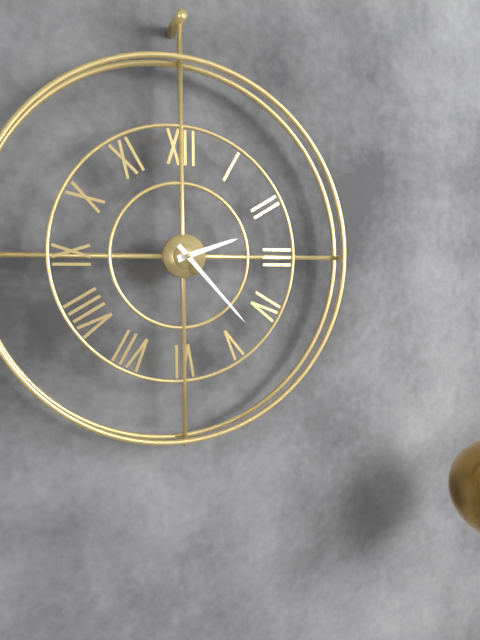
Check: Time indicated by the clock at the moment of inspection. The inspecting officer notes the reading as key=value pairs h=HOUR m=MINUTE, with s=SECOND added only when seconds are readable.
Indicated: h=2 m=23
